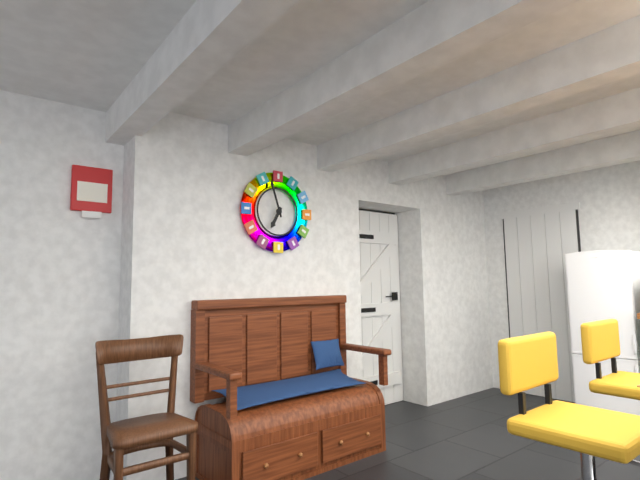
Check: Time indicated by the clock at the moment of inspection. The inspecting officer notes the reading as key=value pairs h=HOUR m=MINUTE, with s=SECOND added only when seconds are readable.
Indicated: h=6 m=57
